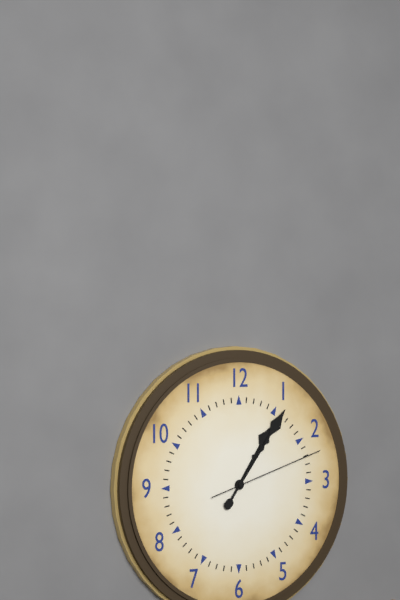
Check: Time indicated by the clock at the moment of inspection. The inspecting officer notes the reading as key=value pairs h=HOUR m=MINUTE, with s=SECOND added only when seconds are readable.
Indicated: h=1 m=6 s=12
